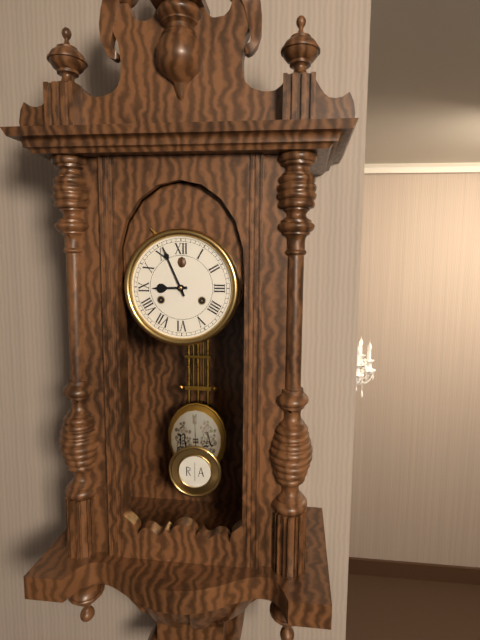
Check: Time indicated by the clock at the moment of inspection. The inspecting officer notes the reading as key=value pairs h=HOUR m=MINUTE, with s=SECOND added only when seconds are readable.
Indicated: h=8 m=56
